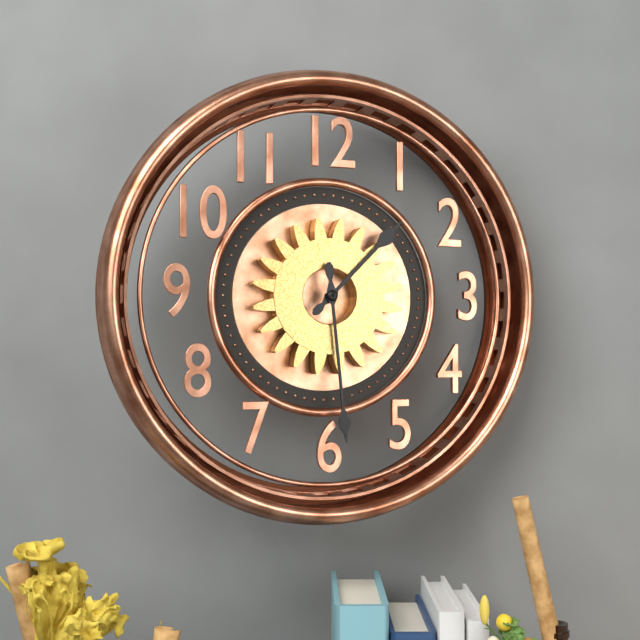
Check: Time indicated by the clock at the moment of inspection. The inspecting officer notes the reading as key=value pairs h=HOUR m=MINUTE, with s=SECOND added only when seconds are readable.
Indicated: h=1 m=29
